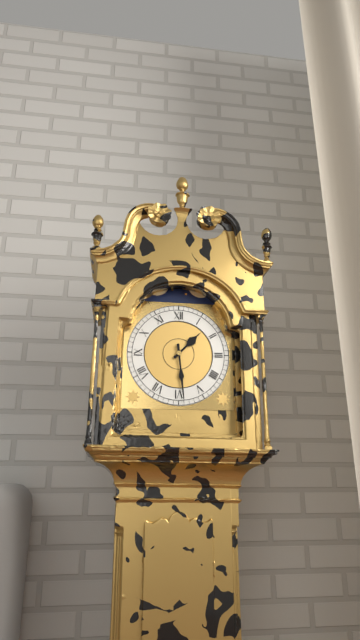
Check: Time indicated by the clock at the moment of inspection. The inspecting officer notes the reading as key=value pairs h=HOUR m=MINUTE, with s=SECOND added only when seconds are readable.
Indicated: h=1 m=29
